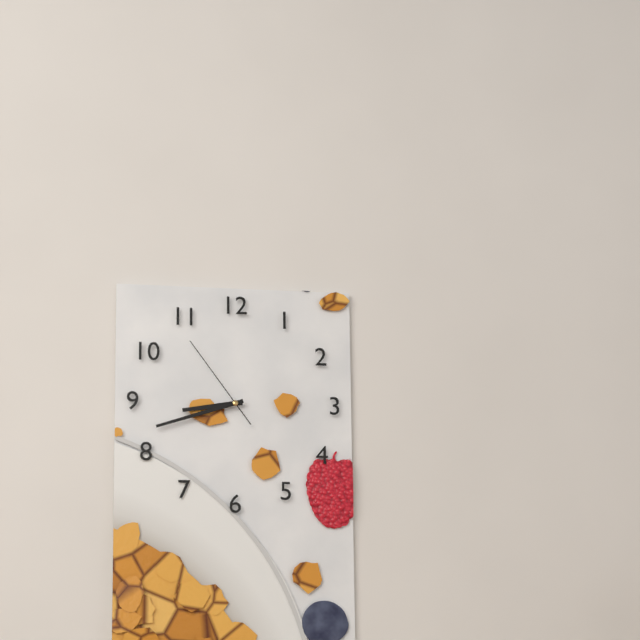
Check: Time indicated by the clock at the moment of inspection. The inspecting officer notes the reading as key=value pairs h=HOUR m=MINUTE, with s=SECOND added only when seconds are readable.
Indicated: h=8 m=42 s=54
